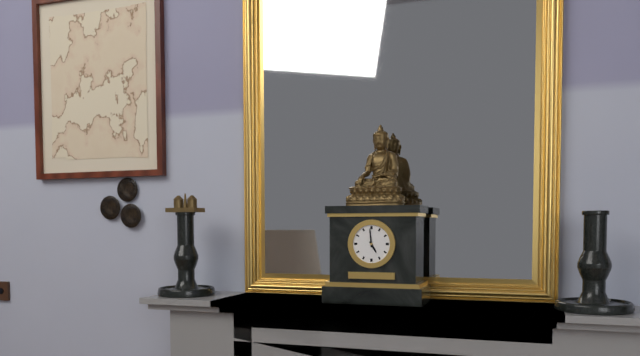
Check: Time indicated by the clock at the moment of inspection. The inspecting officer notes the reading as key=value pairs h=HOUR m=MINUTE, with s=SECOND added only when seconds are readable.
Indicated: h=4 m=59
